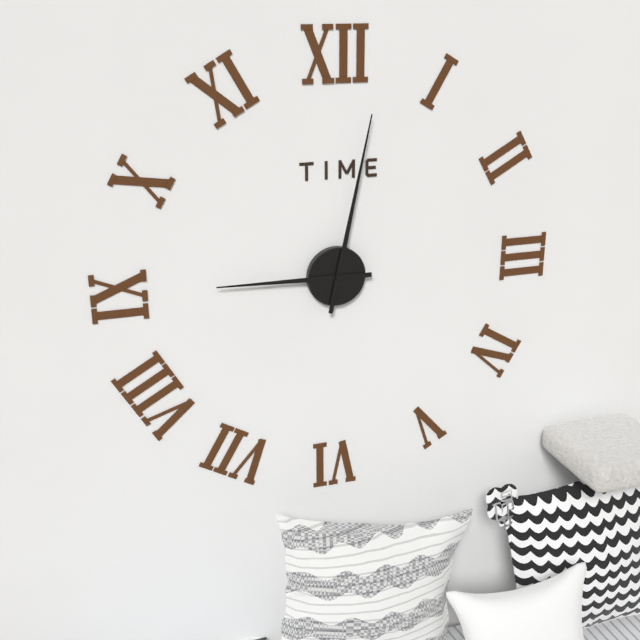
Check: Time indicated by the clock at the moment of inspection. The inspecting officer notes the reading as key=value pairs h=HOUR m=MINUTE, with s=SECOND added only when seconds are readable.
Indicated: h=9 m=2
